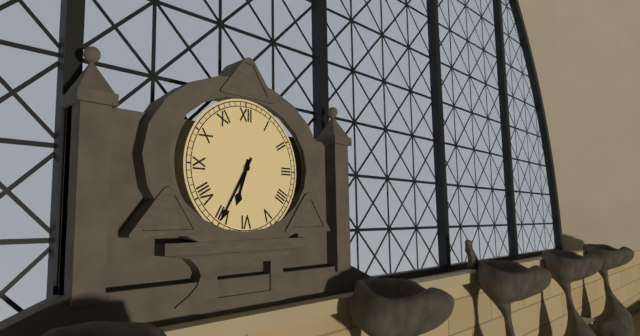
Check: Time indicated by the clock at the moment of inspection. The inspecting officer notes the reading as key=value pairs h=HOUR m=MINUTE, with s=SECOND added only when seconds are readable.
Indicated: h=6 m=35
